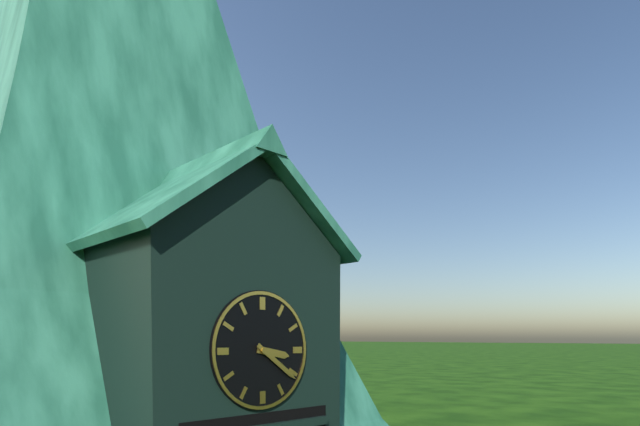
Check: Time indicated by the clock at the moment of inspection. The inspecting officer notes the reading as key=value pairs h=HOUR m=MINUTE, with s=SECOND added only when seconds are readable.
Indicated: h=3 m=21
